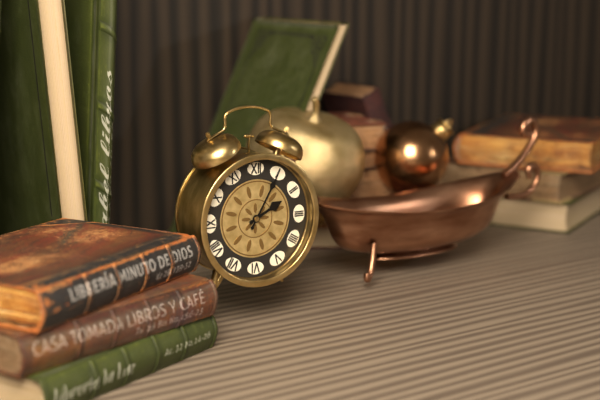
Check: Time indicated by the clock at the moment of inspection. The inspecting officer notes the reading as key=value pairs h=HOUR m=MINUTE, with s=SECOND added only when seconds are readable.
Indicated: h=2 m=5
